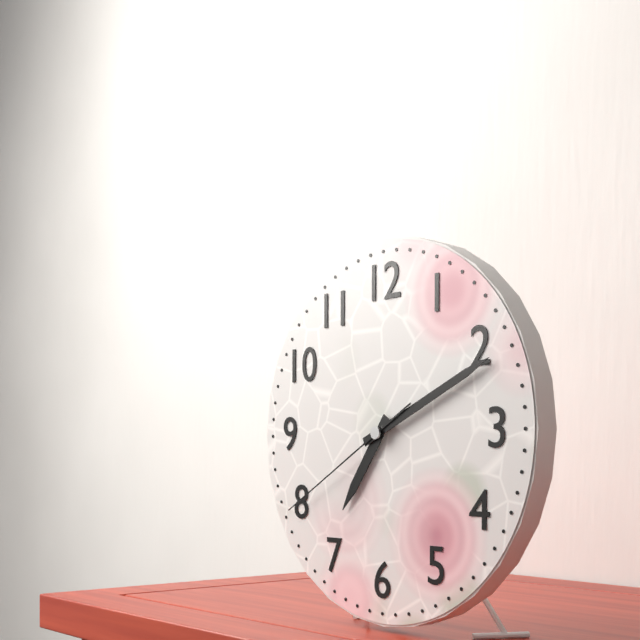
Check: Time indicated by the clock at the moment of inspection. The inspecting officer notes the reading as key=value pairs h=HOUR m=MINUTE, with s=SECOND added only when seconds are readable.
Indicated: h=7 m=11 s=40
